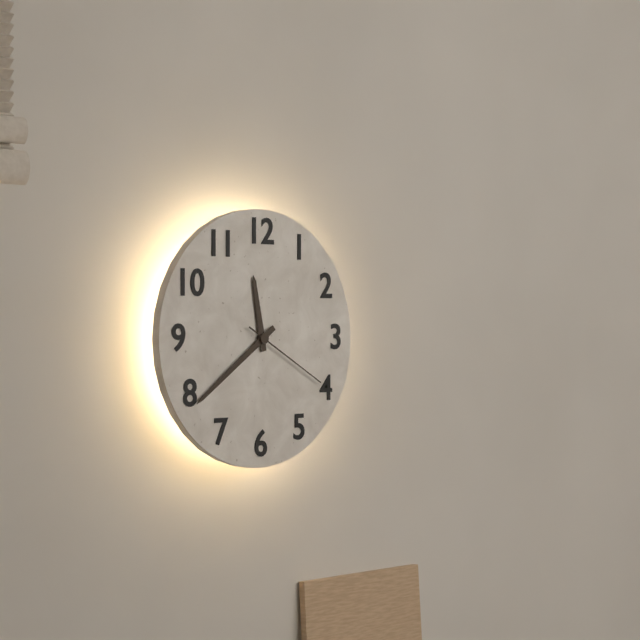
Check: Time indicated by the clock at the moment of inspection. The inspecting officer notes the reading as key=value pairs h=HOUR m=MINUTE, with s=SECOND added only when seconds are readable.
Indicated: h=11 m=39 s=20
